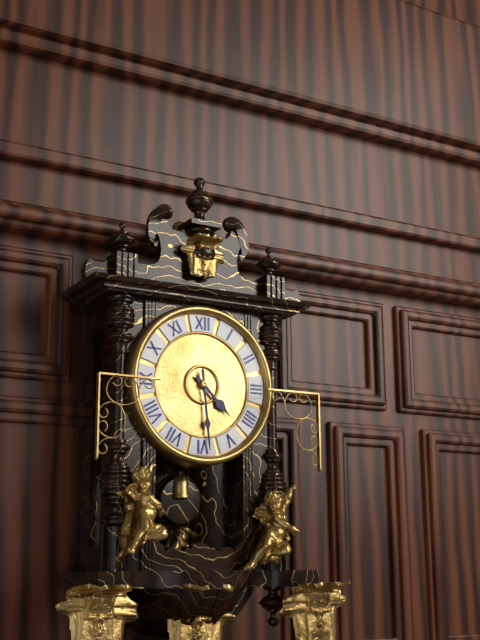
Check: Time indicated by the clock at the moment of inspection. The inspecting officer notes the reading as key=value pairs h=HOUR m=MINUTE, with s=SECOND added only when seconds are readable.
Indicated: h=4 m=29
